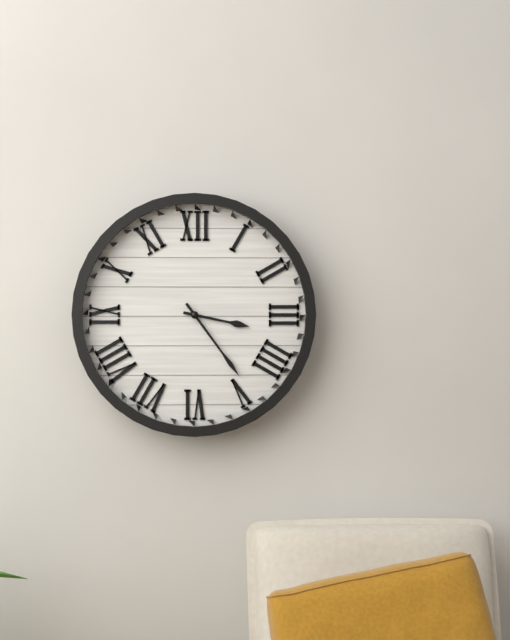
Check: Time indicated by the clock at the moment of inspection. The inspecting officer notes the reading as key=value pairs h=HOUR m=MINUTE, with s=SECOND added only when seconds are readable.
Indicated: h=3 m=24
